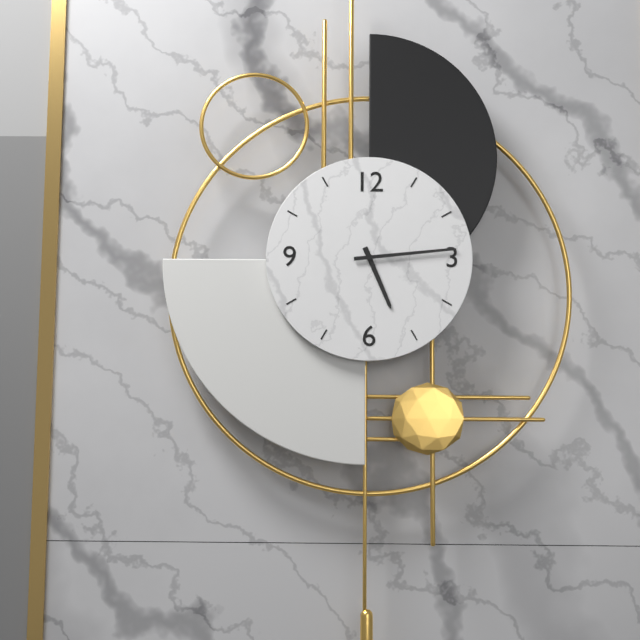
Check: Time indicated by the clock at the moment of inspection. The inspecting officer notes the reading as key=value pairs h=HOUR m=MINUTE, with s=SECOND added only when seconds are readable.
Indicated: h=5 m=14
